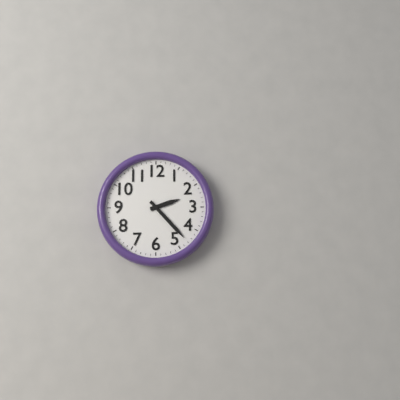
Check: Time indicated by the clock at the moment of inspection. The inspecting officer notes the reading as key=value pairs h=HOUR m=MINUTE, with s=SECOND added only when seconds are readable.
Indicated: h=2 m=23
